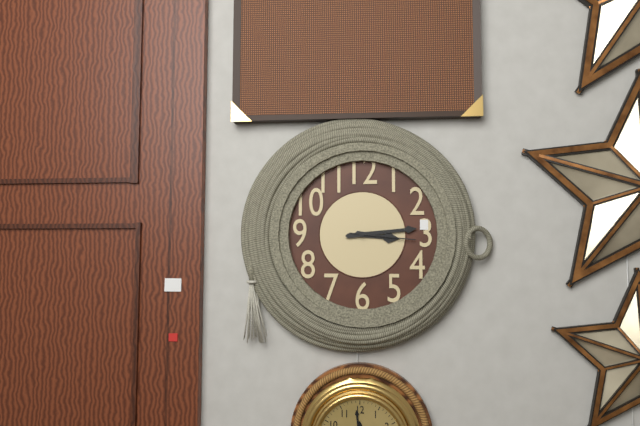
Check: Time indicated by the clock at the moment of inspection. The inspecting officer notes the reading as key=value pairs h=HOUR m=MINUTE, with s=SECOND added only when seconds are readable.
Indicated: h=3 m=14 s=16
